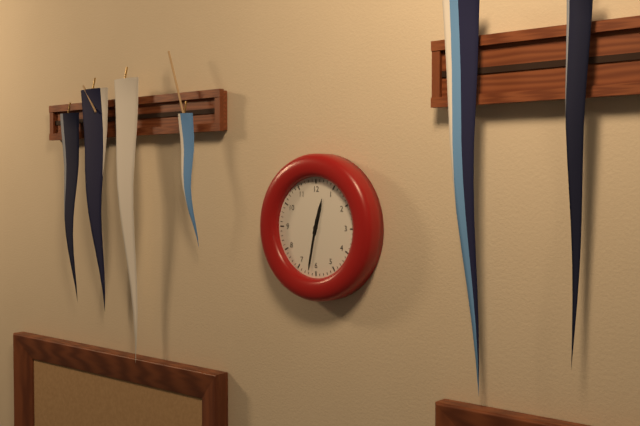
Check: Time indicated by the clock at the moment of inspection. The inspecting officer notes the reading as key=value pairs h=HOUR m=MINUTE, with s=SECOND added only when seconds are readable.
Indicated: h=12 m=32
